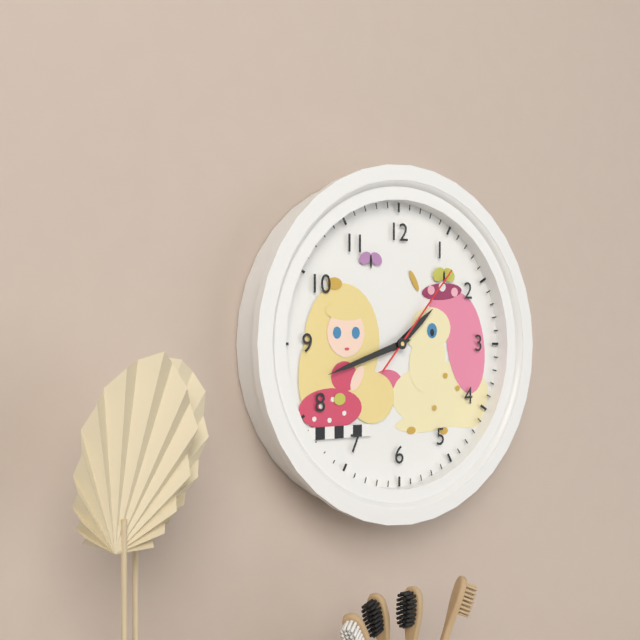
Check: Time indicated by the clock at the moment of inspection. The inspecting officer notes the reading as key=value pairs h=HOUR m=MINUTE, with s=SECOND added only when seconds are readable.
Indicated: h=1 m=42 s=7
